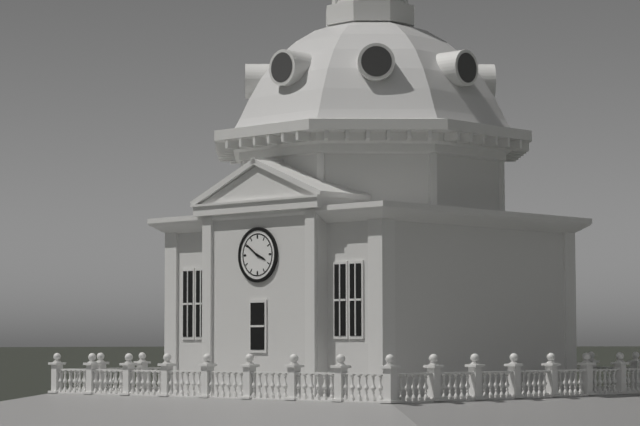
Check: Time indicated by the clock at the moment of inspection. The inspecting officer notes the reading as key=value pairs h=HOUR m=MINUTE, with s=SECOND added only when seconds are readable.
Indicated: h=3 m=51
